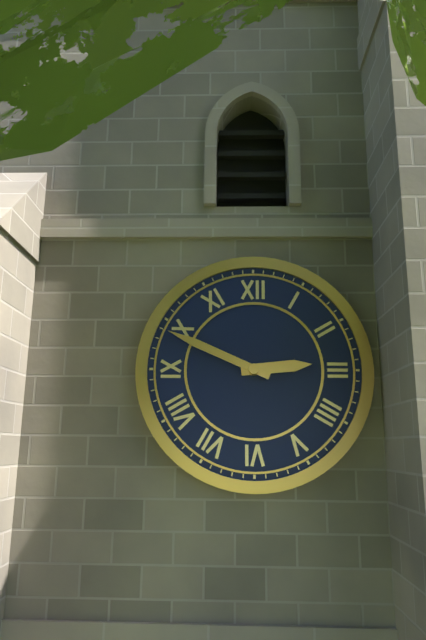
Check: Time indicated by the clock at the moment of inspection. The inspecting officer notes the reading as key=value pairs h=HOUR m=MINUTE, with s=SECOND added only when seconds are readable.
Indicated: h=2 m=49
